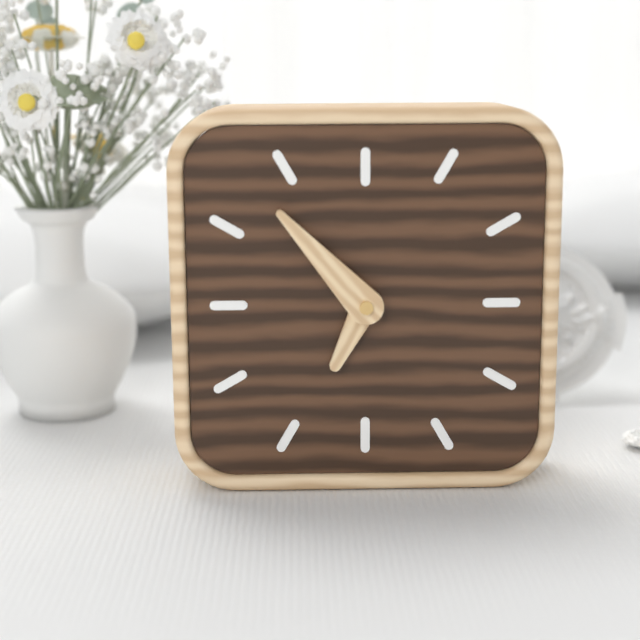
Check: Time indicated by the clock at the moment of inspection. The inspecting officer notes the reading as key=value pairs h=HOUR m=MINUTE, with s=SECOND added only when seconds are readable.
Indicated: h=6 m=53
